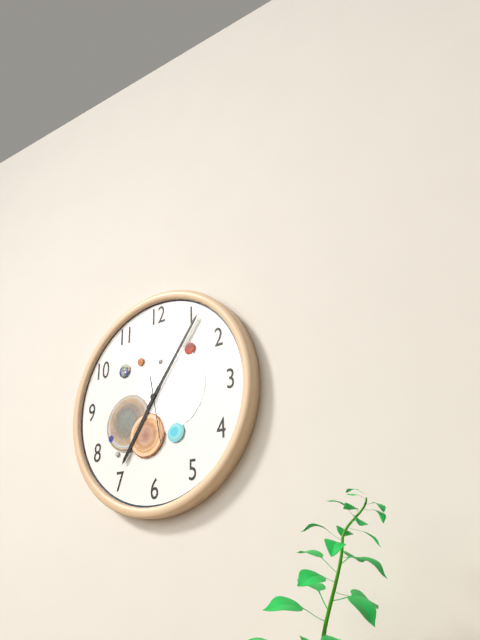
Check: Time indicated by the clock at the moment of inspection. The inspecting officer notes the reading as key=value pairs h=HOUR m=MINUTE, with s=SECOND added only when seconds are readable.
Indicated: h=7 m=6 s=28
